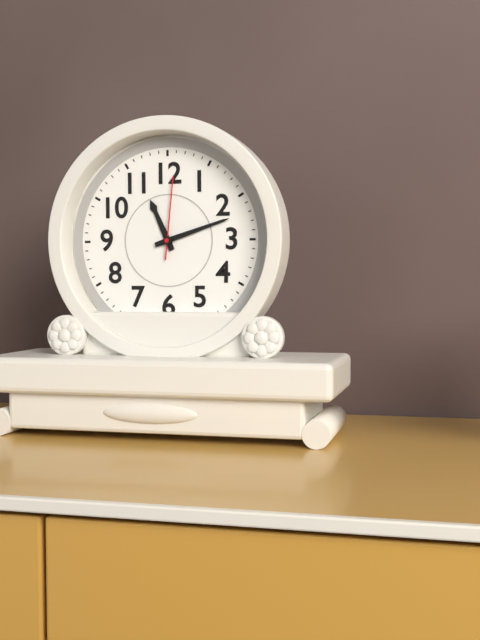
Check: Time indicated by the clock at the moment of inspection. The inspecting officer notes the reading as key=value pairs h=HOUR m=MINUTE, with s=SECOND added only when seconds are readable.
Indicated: h=11 m=12 s=1
